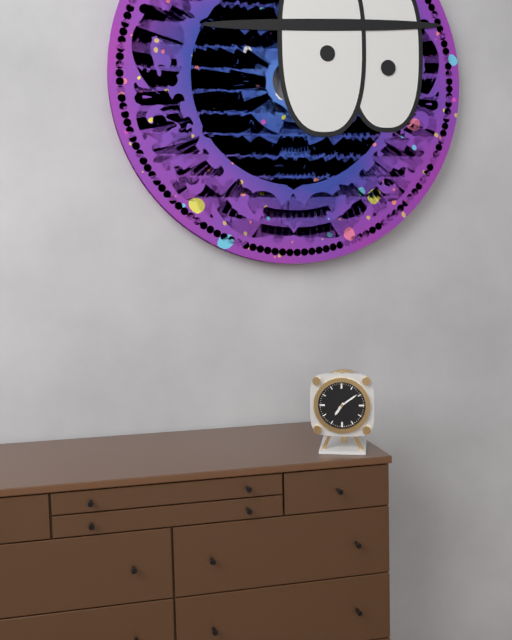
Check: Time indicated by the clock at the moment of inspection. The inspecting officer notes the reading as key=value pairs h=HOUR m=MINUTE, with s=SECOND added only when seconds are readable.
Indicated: h=7 m=9
